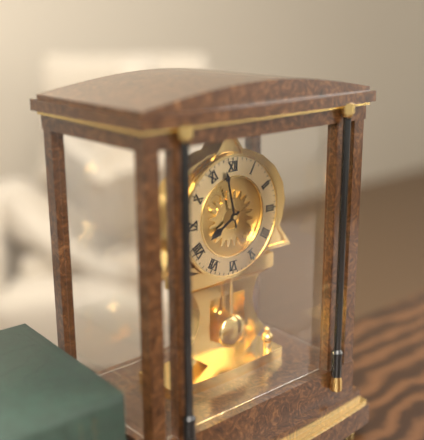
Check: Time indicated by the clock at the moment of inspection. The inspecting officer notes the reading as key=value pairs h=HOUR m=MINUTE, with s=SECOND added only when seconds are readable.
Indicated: h=7 m=58
